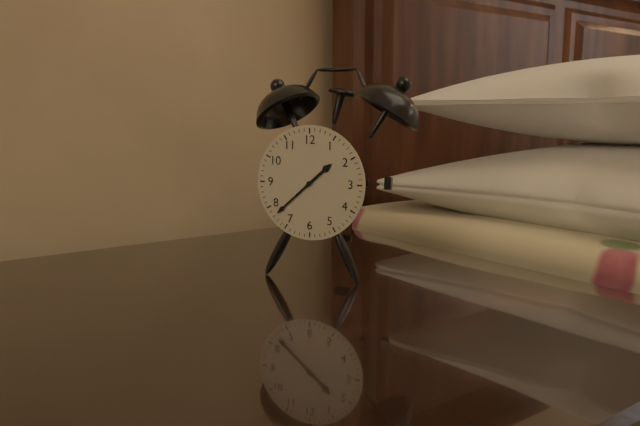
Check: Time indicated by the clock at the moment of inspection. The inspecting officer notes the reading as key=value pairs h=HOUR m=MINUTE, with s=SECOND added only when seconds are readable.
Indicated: h=1 m=38
